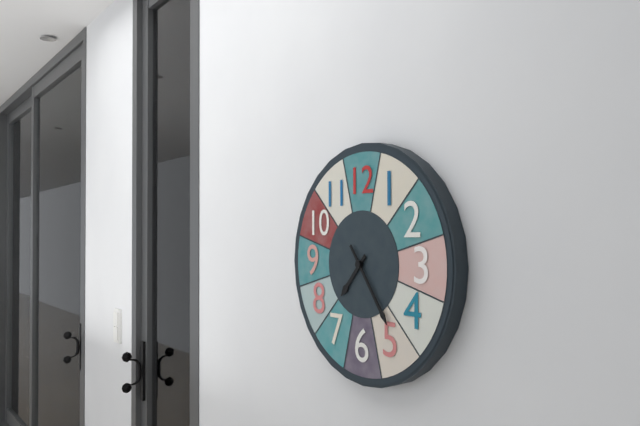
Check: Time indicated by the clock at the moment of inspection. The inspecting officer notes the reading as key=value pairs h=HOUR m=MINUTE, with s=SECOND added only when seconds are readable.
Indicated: h=7 m=24
